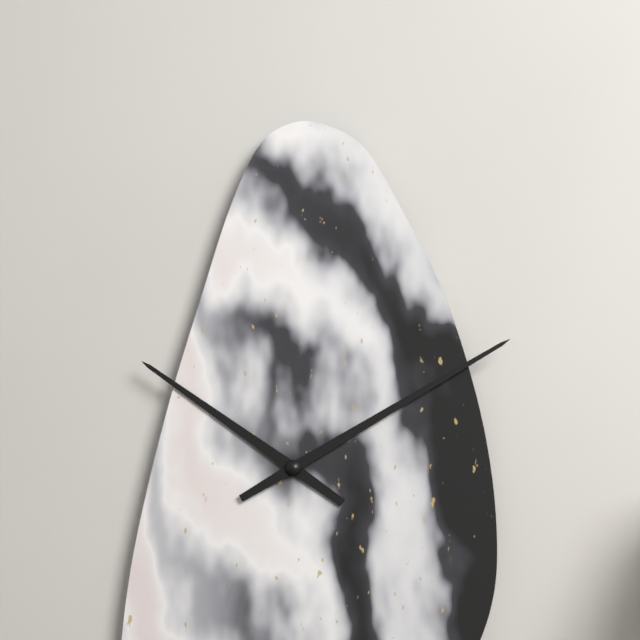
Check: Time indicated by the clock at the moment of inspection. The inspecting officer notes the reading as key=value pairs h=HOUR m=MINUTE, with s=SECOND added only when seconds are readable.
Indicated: h=10 m=10
